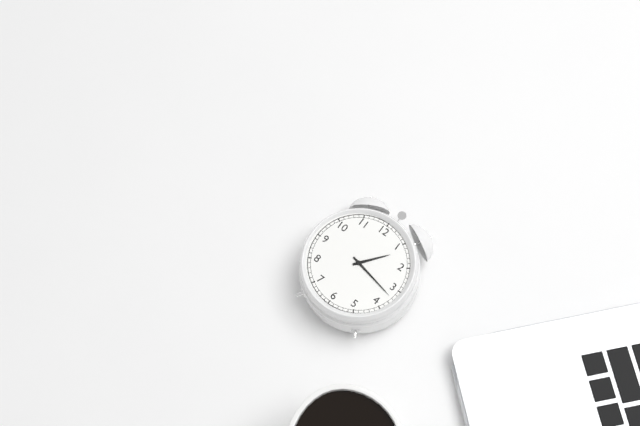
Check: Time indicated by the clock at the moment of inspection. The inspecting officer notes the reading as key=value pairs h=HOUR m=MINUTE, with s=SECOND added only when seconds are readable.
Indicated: h=1 m=17
